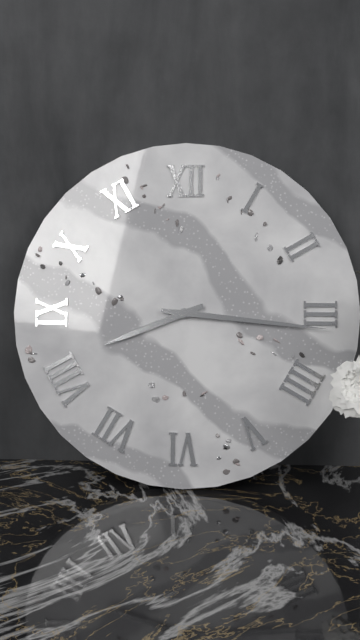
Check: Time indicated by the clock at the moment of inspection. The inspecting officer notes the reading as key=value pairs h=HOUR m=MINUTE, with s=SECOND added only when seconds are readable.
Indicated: h=8 m=16
